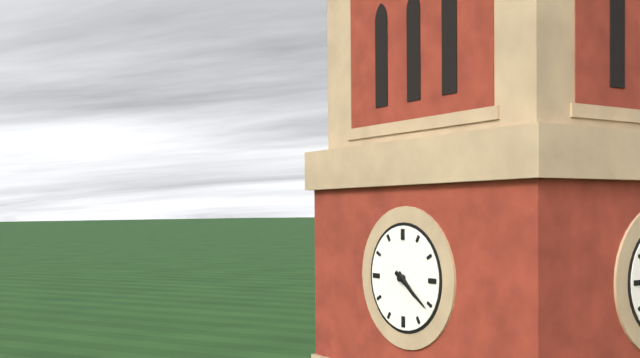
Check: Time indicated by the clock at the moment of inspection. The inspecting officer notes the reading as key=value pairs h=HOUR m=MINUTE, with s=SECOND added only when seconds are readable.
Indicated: h=4 m=21
